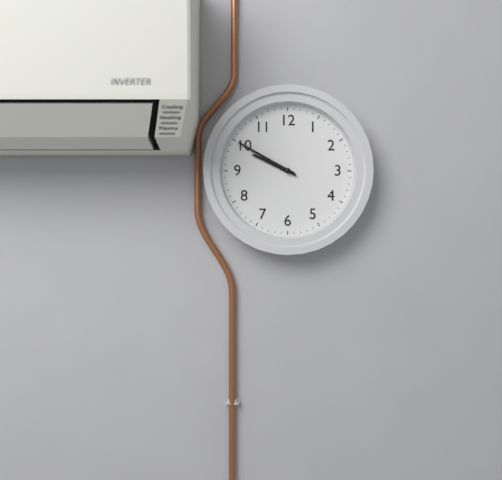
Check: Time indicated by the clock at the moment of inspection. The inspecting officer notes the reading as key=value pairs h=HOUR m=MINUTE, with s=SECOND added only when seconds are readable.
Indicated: h=9 m=50
